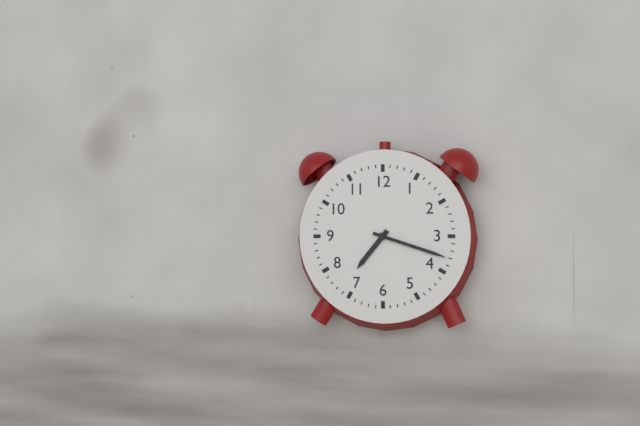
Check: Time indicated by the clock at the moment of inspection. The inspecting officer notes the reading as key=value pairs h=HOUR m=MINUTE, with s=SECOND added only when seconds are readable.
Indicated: h=7 m=18
